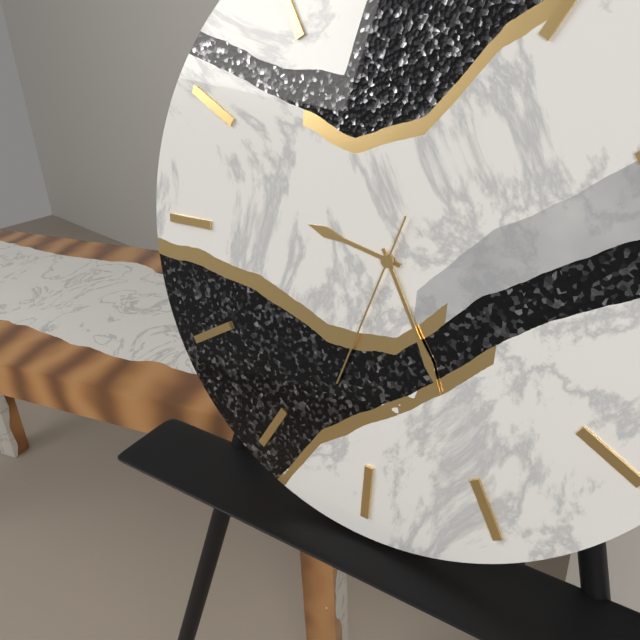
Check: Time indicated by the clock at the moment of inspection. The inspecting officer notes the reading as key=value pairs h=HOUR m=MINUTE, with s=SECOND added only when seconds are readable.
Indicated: h=9 m=25 s=33
